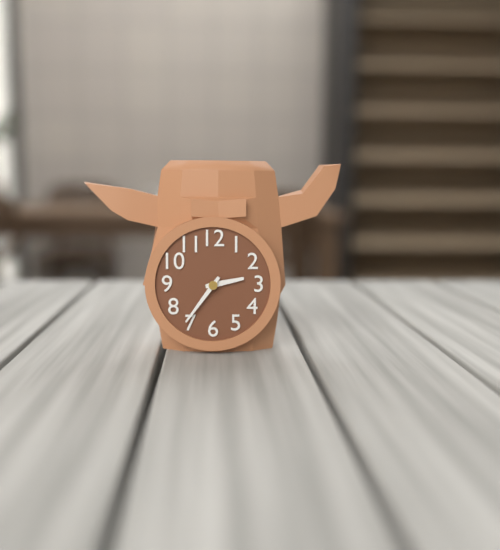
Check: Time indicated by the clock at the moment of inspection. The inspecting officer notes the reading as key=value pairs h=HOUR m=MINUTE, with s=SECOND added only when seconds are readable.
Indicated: h=2 m=36
